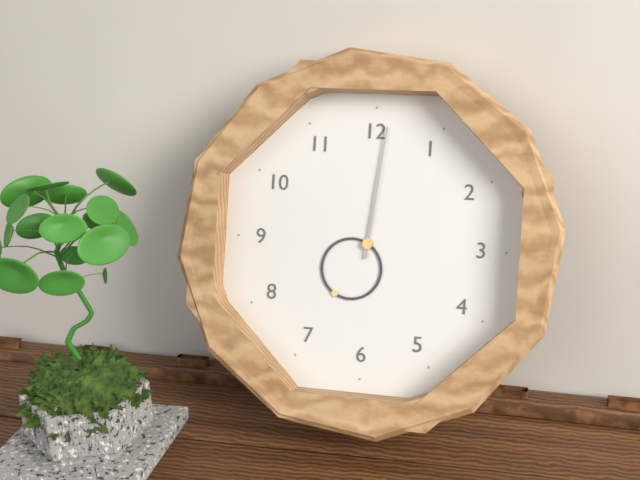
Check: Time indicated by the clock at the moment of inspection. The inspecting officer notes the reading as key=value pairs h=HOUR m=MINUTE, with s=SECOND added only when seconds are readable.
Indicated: h=7 m=1
